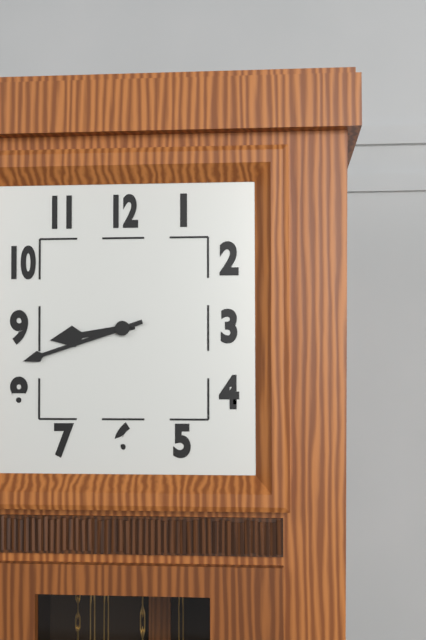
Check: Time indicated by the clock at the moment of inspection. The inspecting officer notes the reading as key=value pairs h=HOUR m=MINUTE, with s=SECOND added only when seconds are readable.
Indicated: h=8 m=42
